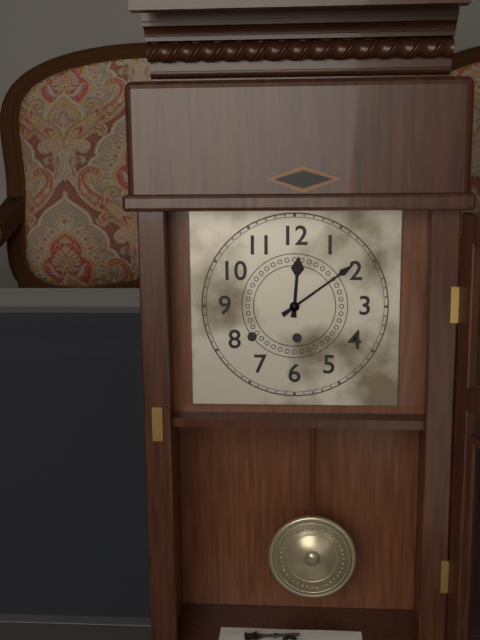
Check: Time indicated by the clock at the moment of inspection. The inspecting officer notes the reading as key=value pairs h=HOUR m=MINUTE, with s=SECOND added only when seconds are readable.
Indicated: h=12 m=9
